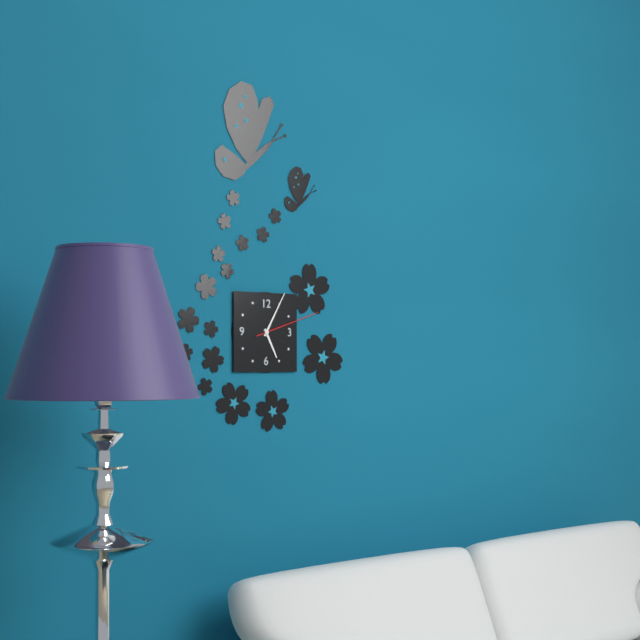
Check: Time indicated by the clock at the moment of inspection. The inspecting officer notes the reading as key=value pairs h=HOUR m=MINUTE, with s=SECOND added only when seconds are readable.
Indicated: h=5 m=5 s=12
